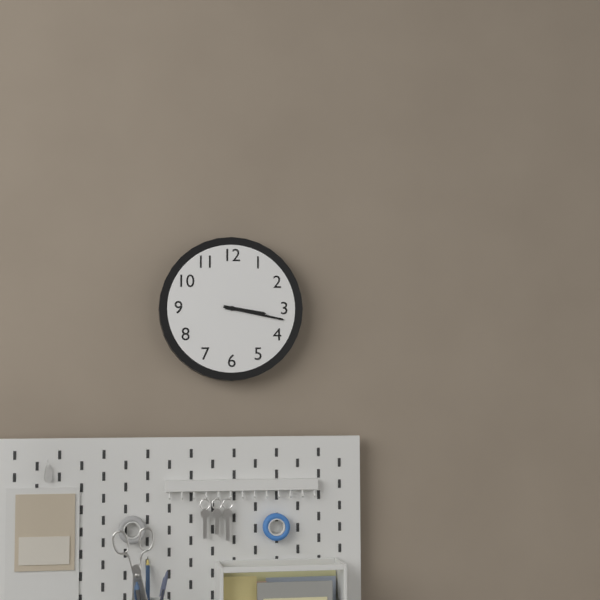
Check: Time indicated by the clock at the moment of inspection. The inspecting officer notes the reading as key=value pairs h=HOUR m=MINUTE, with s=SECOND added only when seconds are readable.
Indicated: h=3 m=17
